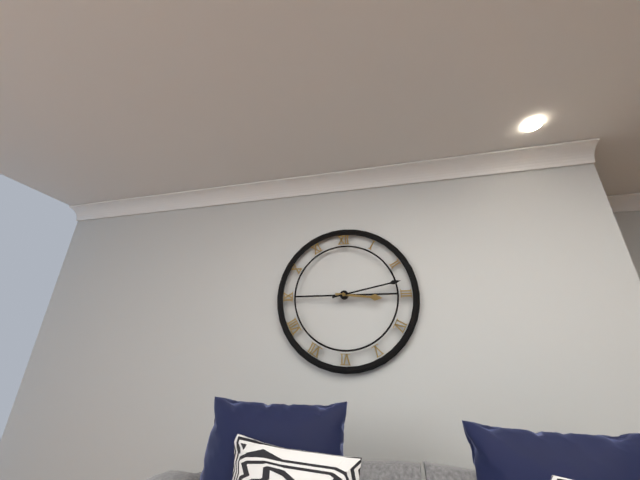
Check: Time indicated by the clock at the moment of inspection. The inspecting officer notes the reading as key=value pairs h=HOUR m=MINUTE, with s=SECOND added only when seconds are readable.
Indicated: h=3 m=13
